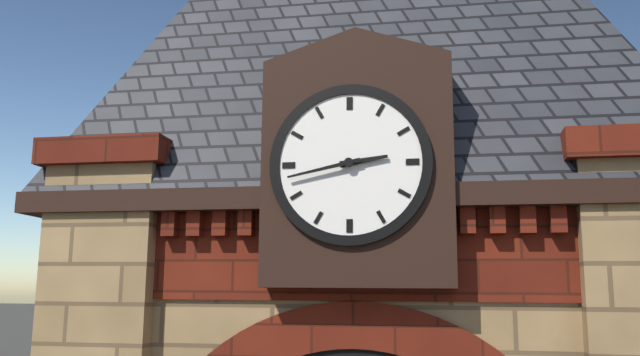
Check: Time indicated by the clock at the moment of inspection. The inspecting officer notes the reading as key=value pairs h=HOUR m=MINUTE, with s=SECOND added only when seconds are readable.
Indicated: h=2 m=43
